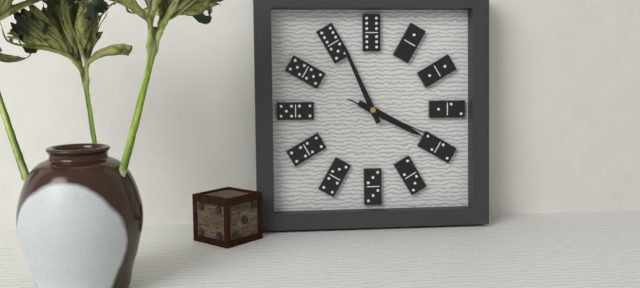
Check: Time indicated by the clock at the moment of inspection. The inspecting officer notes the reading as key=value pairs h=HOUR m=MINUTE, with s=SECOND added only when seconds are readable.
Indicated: h=3 m=56 s=19
